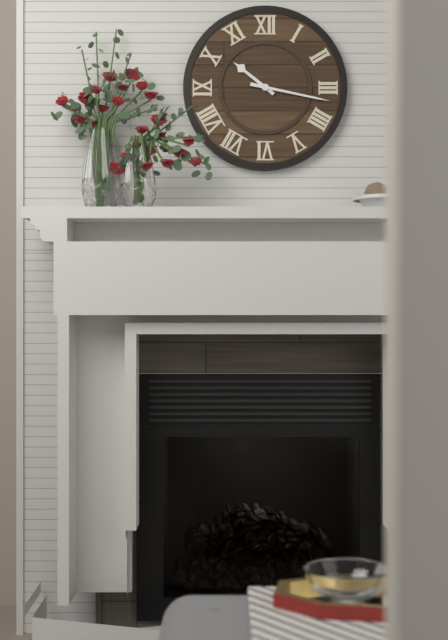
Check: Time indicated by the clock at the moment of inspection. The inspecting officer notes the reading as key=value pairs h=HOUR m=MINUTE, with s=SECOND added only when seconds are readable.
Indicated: h=10 m=17
